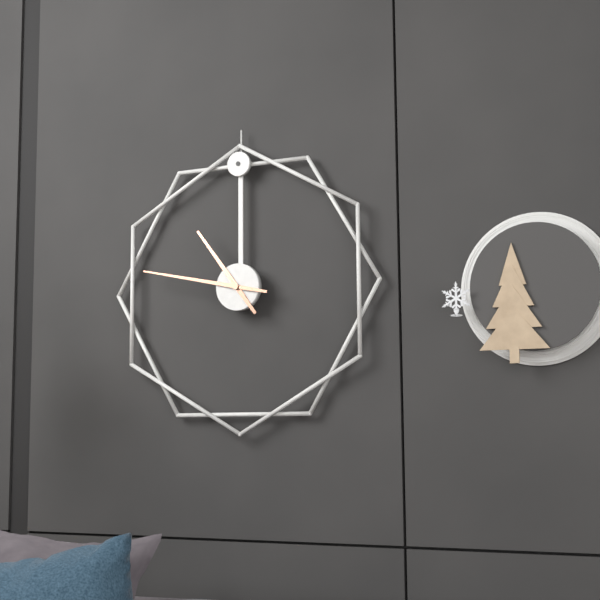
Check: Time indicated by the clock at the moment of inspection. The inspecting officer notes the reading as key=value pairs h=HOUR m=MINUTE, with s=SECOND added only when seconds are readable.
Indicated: h=10 m=47
